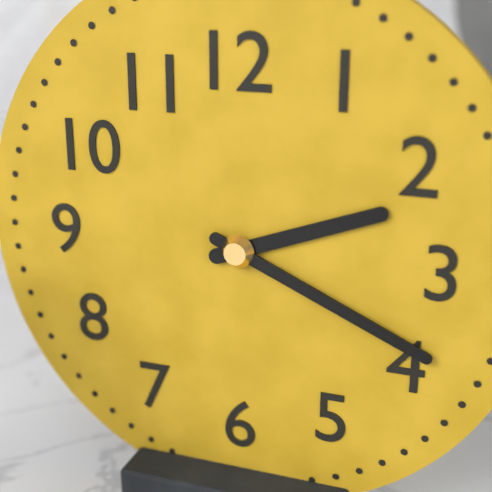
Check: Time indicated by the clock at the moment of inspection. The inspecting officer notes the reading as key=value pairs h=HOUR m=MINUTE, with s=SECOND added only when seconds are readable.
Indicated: h=2 m=19
